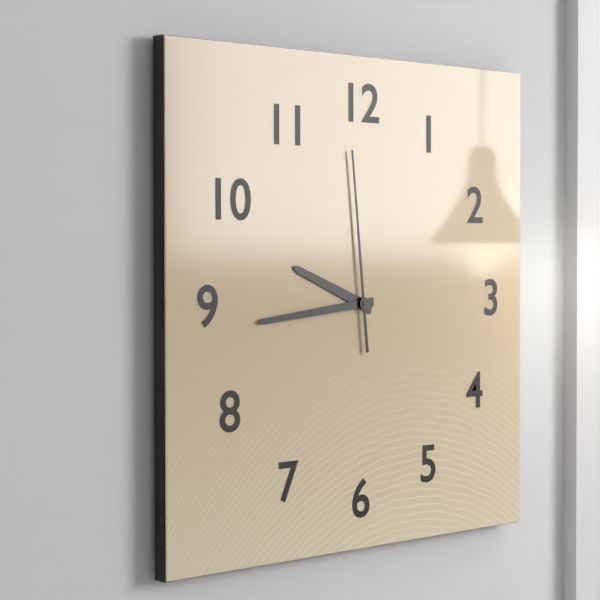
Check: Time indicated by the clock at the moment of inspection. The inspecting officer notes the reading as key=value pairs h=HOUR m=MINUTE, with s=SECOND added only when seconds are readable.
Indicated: h=9 m=44 s=59
